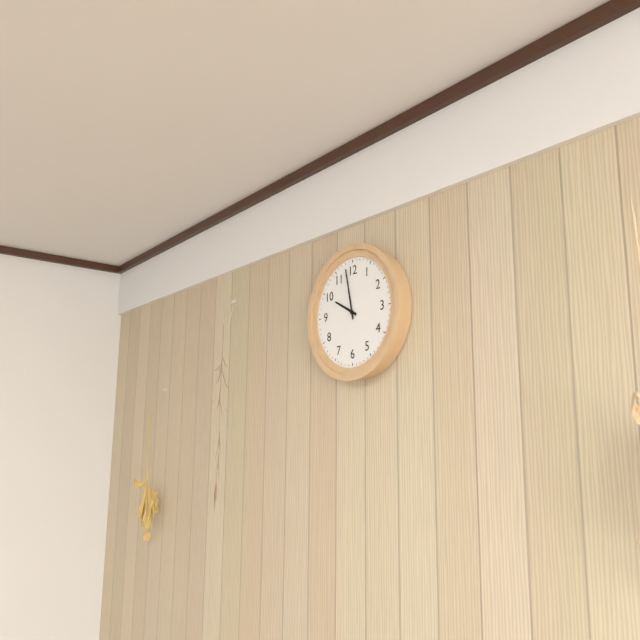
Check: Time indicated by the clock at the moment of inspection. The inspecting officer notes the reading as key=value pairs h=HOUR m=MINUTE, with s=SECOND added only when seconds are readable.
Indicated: h=9 m=58
